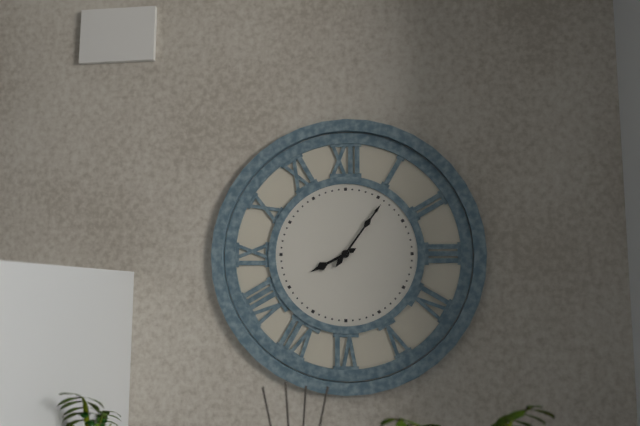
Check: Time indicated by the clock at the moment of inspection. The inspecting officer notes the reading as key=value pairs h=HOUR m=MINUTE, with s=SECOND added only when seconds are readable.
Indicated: h=8 m=6
